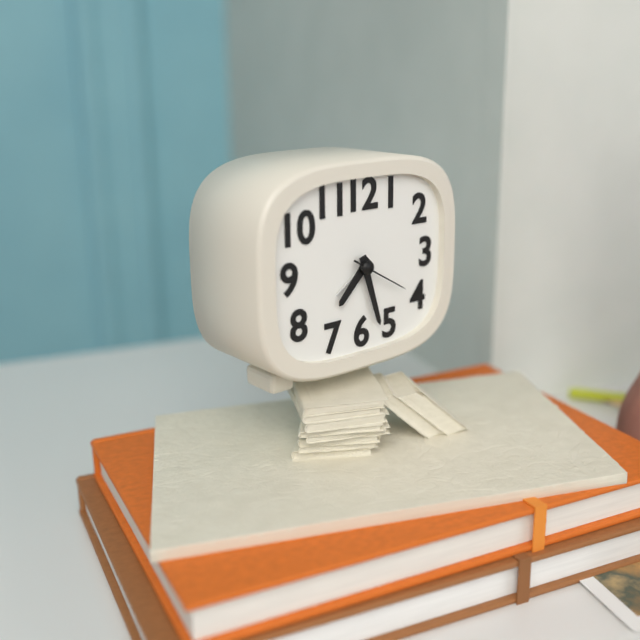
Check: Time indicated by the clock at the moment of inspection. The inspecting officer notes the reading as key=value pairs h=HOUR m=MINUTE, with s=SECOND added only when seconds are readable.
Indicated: h=7 m=27 s=20
